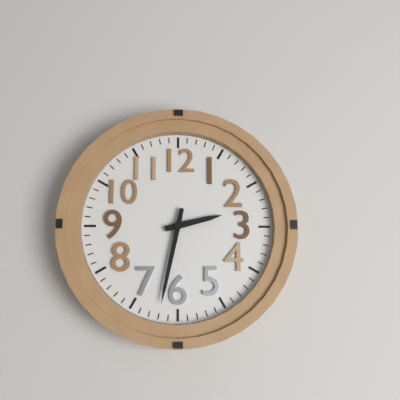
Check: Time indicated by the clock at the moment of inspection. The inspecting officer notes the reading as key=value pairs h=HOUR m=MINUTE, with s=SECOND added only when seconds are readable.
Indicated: h=2 m=32
